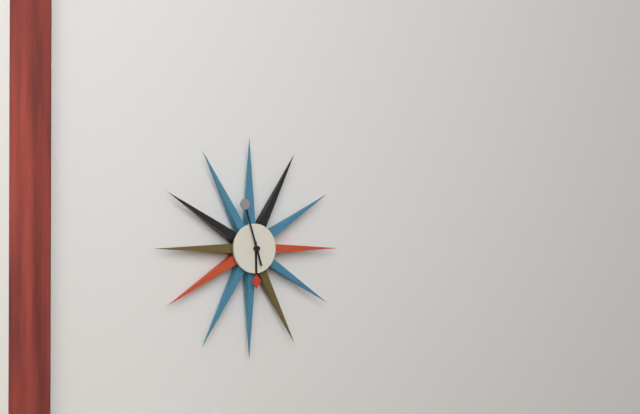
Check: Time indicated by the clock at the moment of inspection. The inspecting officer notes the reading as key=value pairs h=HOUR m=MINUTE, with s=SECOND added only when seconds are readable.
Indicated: h=5 m=57
